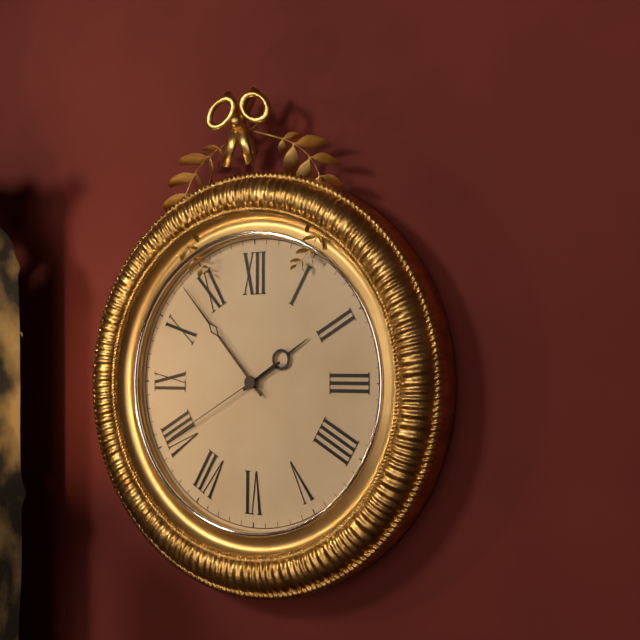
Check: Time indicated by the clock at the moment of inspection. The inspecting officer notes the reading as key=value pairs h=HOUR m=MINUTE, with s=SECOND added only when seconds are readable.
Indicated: h=1 m=53 s=40
